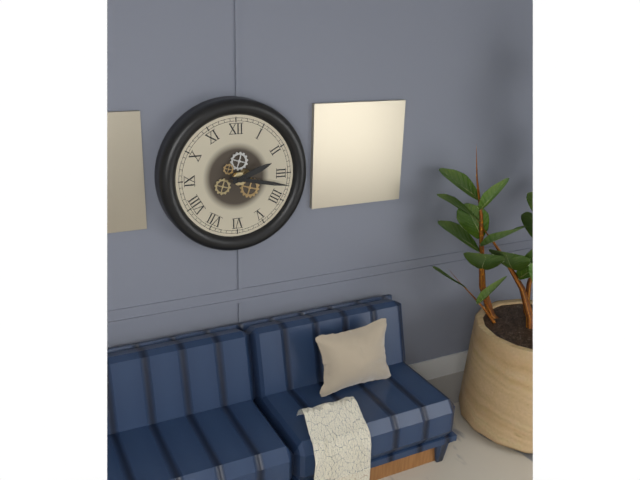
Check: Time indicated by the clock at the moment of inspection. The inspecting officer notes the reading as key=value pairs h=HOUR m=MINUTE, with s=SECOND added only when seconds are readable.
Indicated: h=2 m=17
